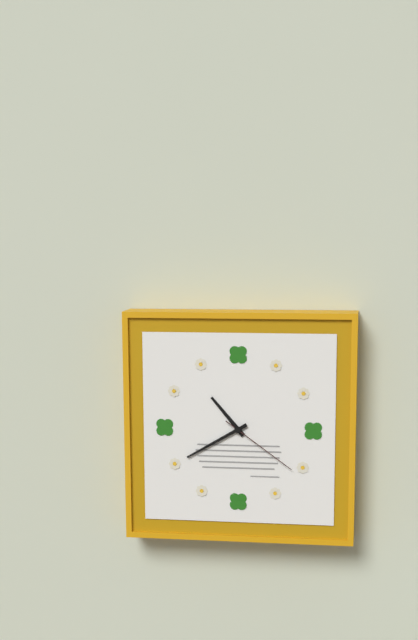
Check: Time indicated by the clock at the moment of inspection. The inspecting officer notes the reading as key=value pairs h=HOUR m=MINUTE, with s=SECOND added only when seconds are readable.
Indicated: h=10 m=40 s=21
